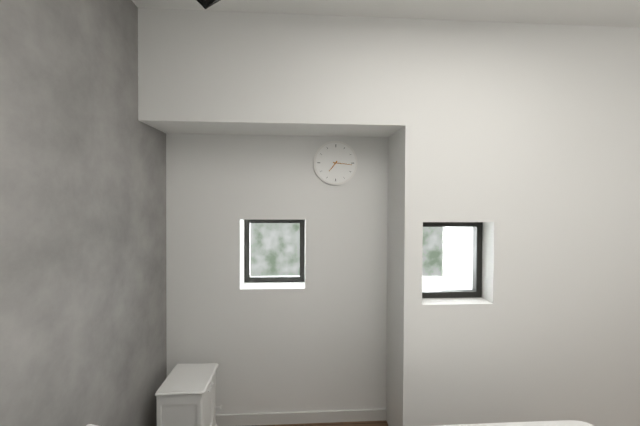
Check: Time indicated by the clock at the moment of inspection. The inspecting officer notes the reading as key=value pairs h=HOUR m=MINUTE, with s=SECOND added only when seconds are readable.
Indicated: h=7 m=16
